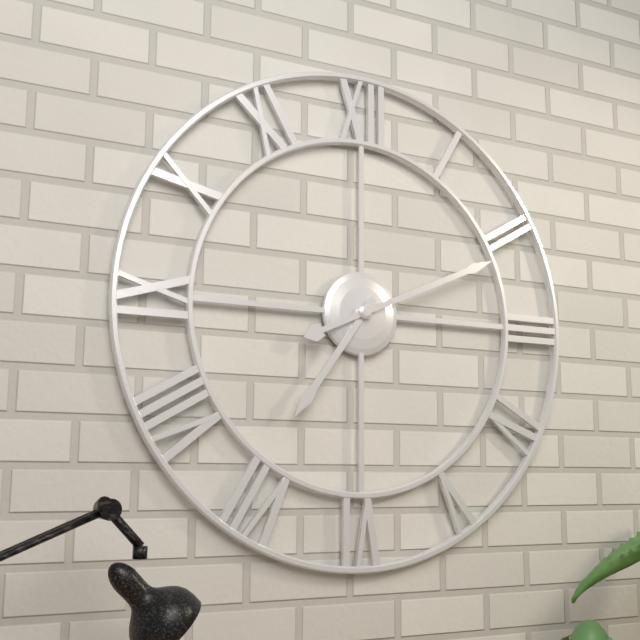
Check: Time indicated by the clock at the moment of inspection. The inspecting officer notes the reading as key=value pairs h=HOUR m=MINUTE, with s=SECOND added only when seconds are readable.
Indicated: h=7 m=11
